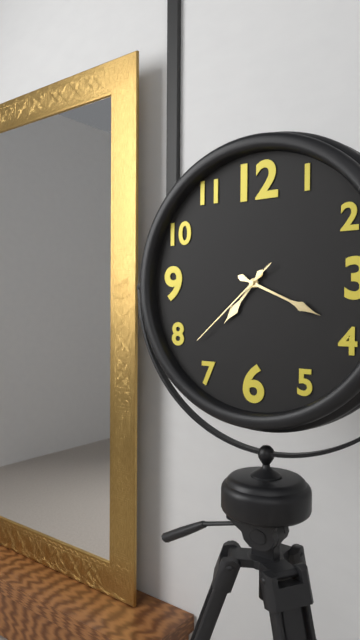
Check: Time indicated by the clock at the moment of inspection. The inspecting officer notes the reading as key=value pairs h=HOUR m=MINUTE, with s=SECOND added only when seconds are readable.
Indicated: h=7 m=19 s=38
